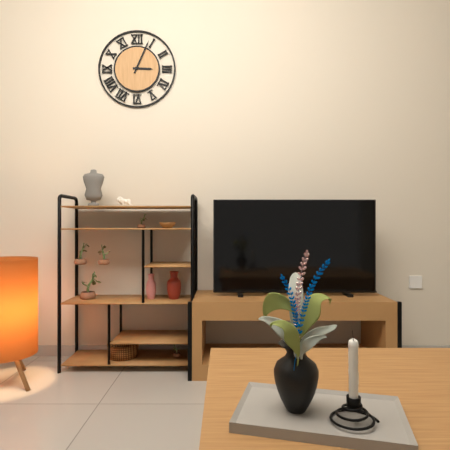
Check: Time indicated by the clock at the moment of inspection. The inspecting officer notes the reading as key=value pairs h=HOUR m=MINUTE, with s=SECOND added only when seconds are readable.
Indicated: h=3 m=4
